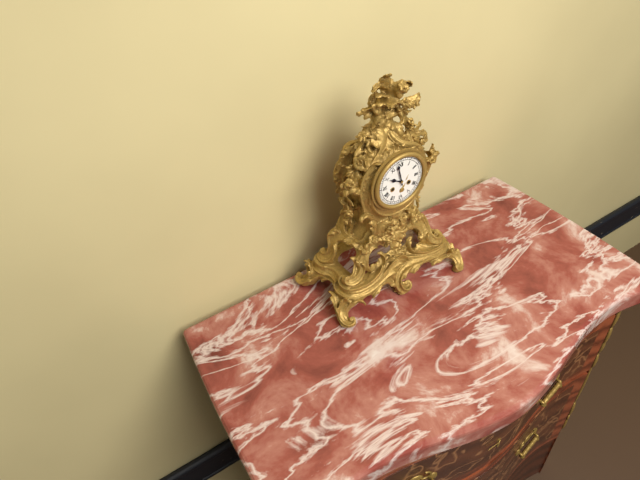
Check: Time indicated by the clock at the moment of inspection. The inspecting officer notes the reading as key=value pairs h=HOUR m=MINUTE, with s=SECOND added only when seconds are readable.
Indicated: h=9 m=58
